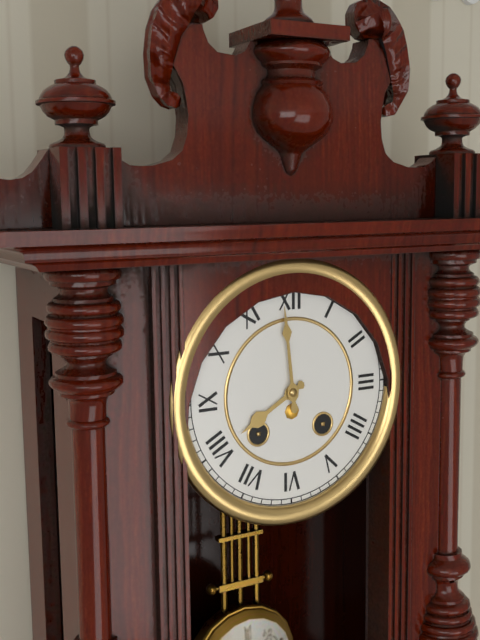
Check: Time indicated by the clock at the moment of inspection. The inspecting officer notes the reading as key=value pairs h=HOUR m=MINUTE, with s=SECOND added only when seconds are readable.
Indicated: h=7 m=59
